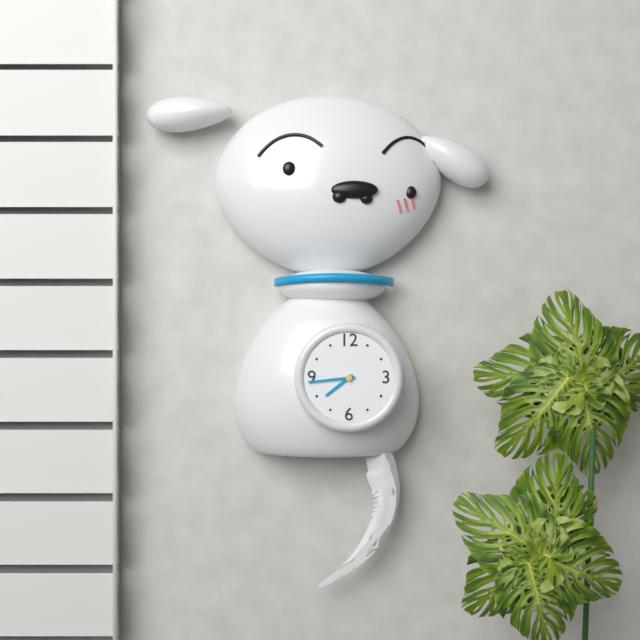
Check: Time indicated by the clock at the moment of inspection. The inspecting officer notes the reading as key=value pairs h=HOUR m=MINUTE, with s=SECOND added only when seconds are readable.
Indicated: h=7 m=44
